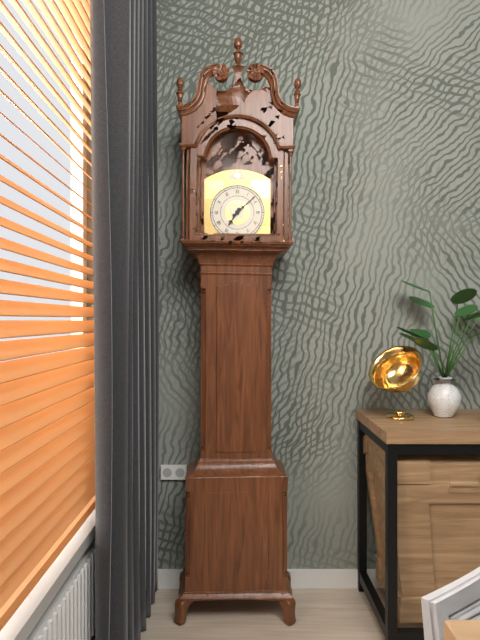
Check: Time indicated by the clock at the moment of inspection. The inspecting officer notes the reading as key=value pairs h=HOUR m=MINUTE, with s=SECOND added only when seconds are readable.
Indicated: h=7 m=8
